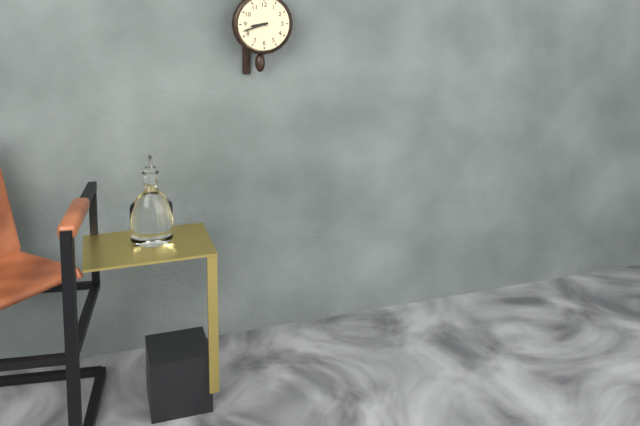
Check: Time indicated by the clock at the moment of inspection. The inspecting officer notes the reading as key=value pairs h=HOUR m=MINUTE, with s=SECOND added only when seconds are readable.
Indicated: h=8 m=42
